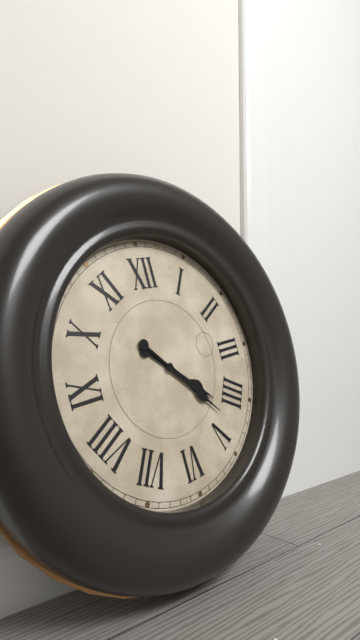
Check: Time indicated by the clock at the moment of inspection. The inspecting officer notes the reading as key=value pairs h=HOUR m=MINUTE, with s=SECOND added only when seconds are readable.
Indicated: h=4 m=23
